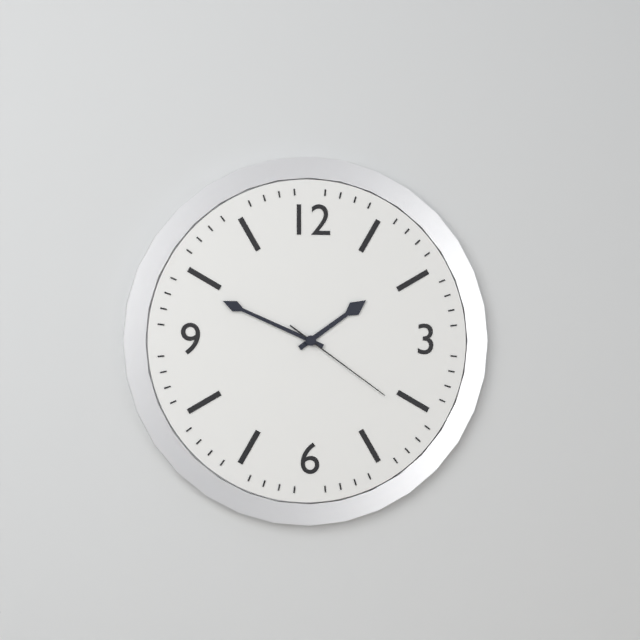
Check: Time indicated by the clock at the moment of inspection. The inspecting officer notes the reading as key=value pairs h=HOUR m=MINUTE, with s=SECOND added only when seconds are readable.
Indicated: h=1 m=49 s=21
